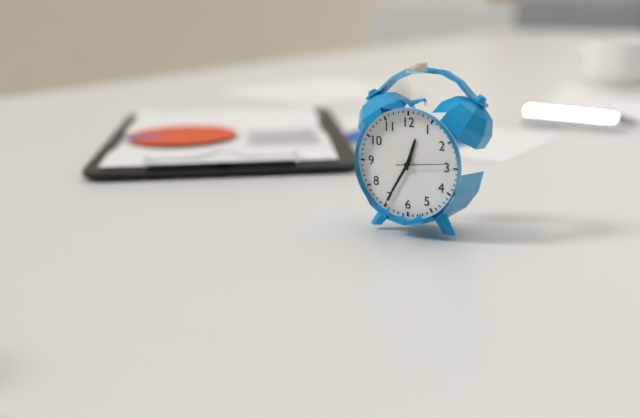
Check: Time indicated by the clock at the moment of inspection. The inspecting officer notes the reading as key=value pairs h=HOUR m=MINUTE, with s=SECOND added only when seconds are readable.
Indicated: h=12 m=35 s=14
